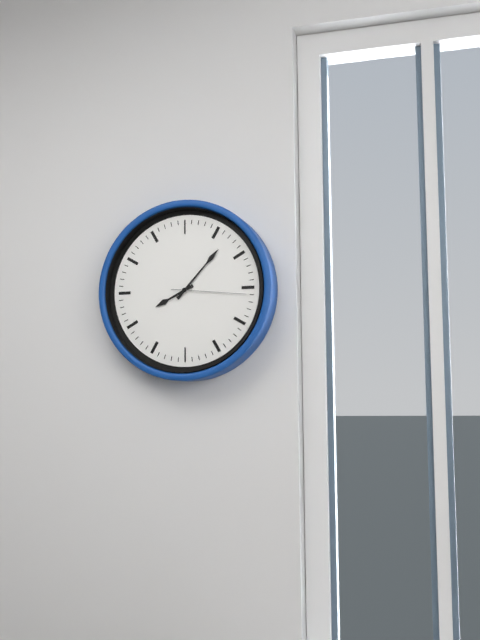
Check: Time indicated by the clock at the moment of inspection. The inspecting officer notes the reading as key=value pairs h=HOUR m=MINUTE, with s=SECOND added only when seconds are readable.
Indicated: h=8 m=7 s=16
